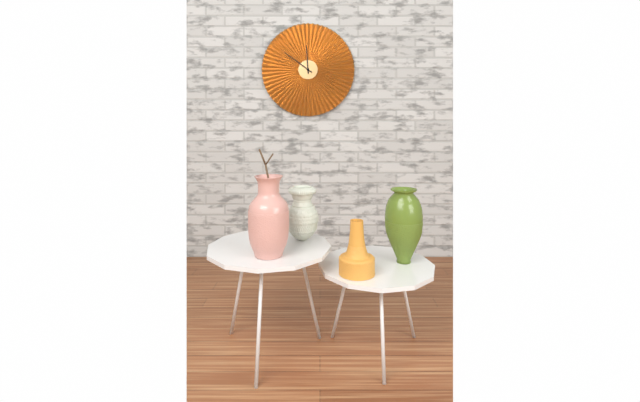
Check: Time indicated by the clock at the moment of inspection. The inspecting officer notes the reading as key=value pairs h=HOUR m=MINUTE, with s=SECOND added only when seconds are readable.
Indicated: h=11 m=51
